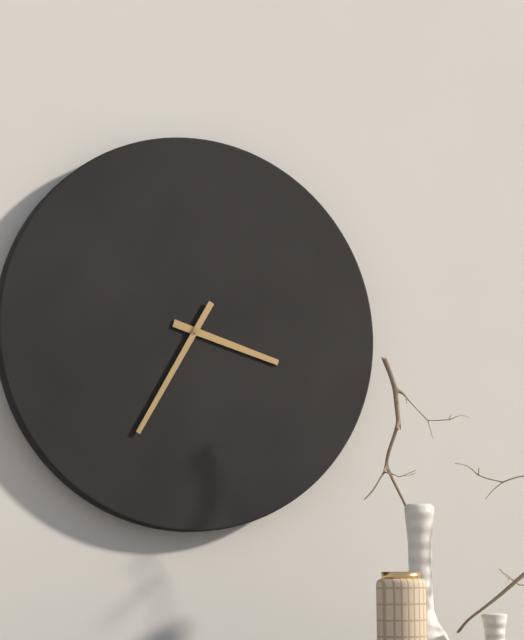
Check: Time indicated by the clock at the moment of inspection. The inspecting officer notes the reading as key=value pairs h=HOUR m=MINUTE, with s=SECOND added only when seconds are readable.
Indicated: h=3 m=35
